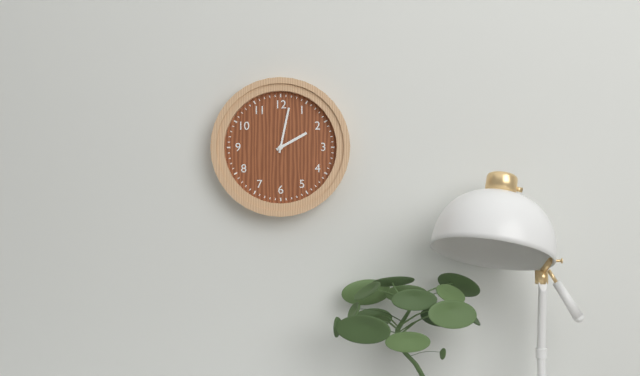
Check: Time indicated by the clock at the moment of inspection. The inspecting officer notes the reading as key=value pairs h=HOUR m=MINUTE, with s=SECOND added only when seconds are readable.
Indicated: h=2 m=2
